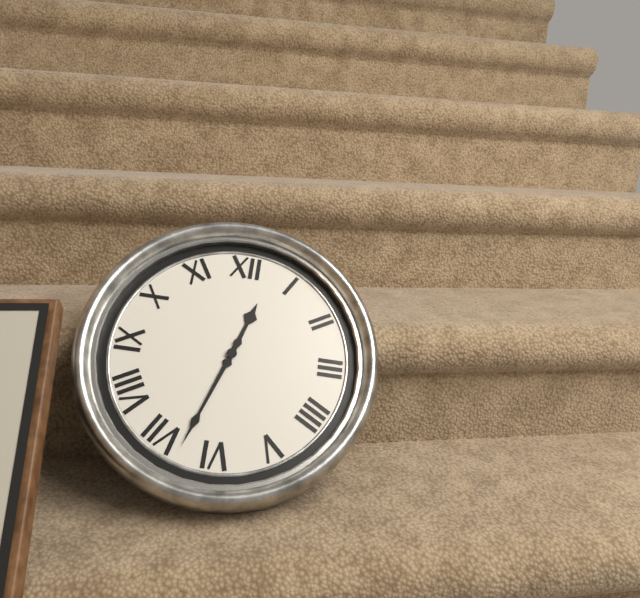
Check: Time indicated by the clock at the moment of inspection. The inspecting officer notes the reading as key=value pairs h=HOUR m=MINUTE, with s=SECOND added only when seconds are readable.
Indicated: h=12 m=33
